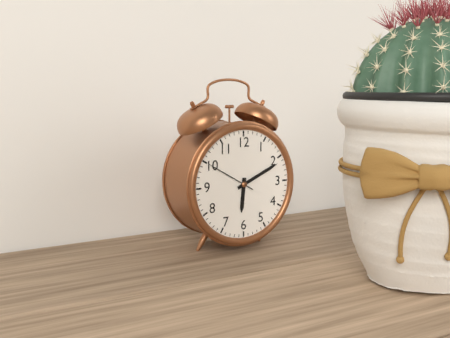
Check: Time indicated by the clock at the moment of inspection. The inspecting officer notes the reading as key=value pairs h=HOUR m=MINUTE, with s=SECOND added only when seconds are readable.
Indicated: h=6 m=11 s=50
